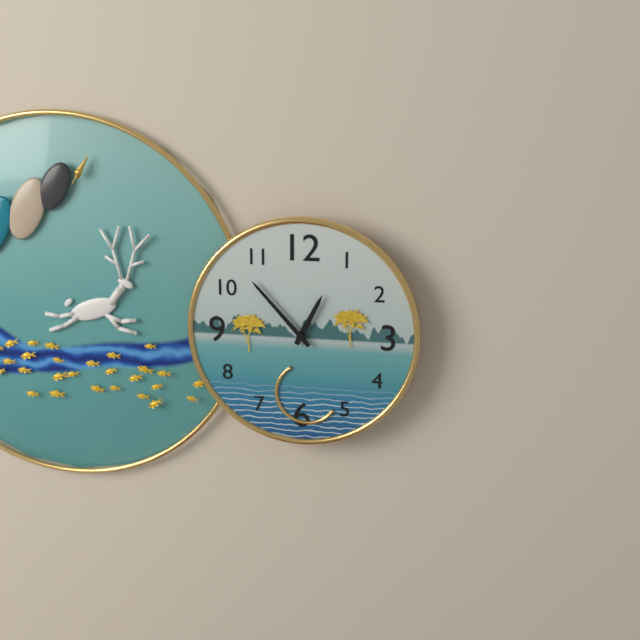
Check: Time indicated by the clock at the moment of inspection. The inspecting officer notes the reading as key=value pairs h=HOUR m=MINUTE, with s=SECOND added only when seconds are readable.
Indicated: h=12 m=53
